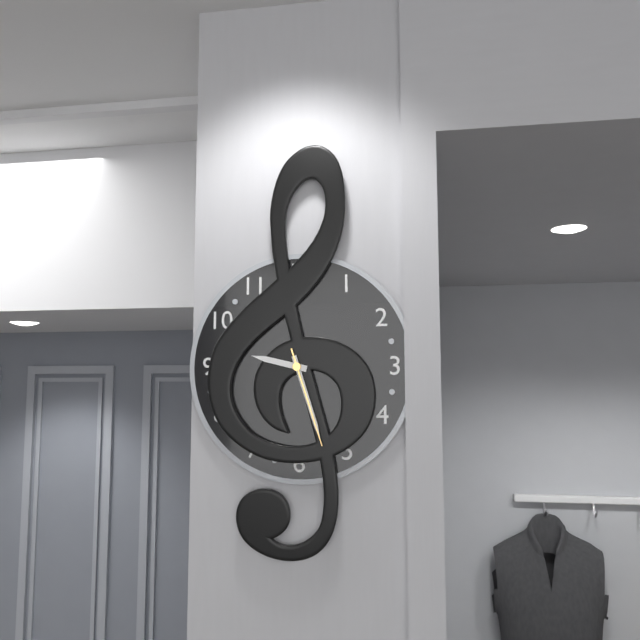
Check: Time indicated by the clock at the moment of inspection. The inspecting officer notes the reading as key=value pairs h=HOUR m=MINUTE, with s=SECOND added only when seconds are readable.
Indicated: h=9 m=27 s=27
